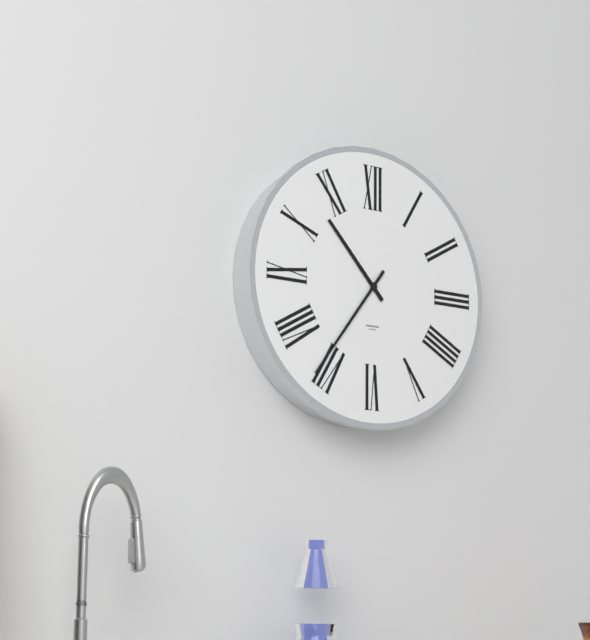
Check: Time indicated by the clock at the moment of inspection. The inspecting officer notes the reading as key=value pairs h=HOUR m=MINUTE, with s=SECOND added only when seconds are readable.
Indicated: h=10 m=36
